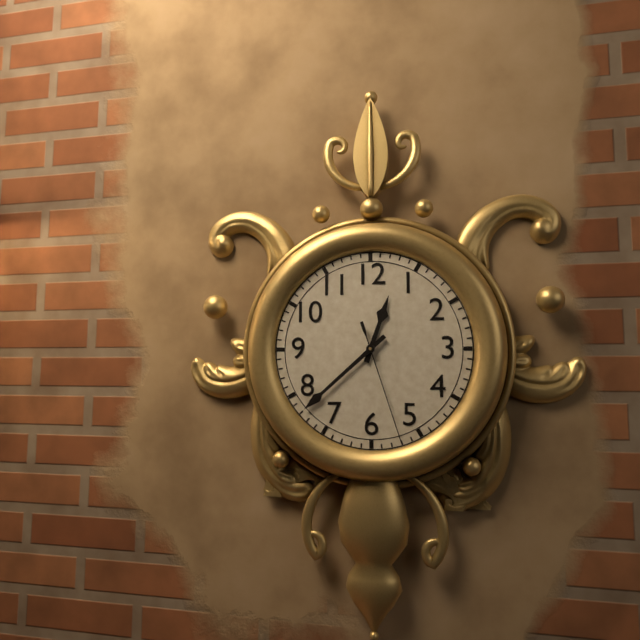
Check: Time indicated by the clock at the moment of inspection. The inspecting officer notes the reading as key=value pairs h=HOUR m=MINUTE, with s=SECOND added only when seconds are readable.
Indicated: h=12 m=38 s=27
